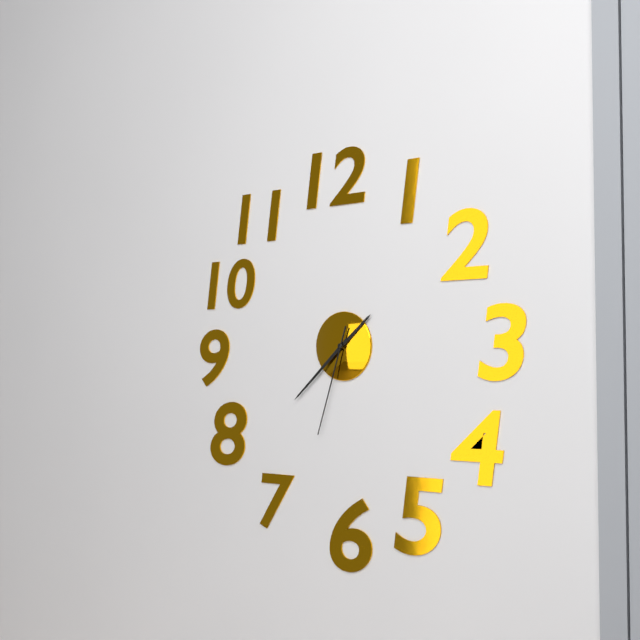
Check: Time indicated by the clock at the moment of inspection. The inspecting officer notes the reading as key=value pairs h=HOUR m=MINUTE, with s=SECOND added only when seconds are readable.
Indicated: h=1 m=38 s=33
